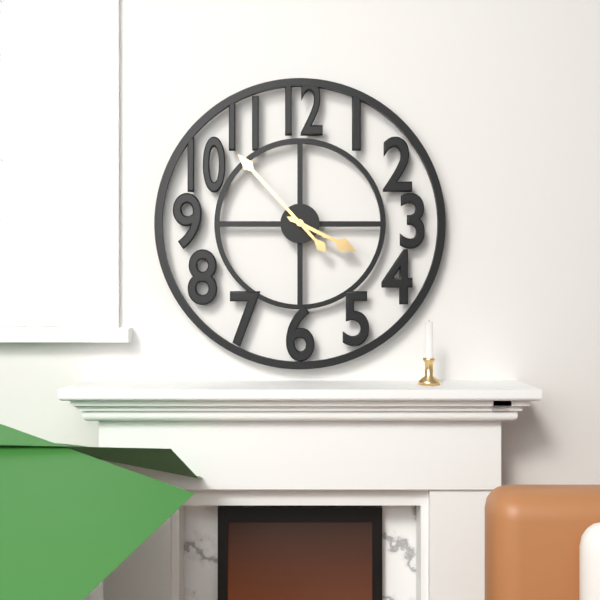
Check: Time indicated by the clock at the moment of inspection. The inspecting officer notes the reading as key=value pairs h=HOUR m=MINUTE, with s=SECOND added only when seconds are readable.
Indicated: h=3 m=53
